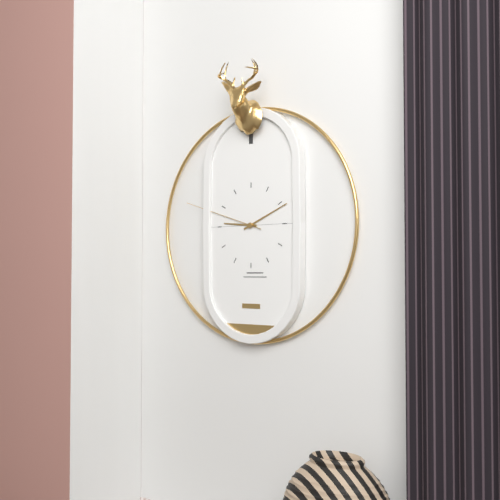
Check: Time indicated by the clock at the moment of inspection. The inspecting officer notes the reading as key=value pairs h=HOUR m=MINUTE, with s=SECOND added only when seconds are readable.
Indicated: h=9 m=11 s=48
